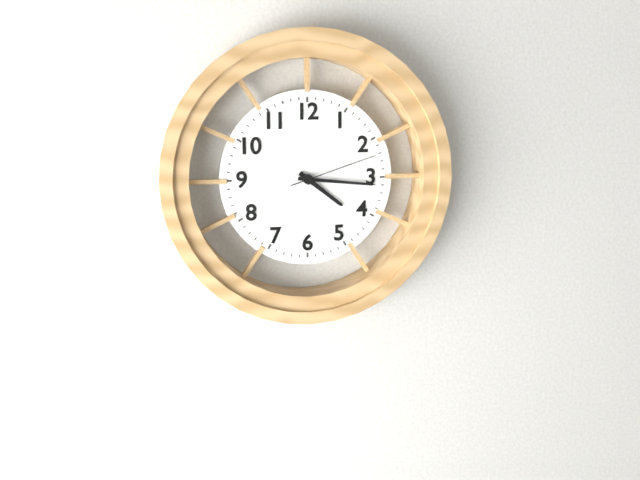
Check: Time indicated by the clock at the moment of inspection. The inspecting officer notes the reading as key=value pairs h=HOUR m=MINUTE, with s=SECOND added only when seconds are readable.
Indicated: h=4 m=16 s=12
